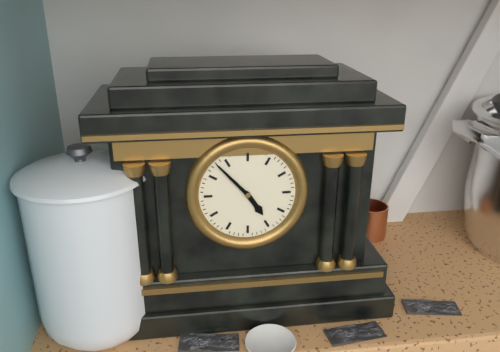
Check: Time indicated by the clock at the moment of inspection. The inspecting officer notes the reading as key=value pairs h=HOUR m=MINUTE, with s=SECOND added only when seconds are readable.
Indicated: h=4 m=53
